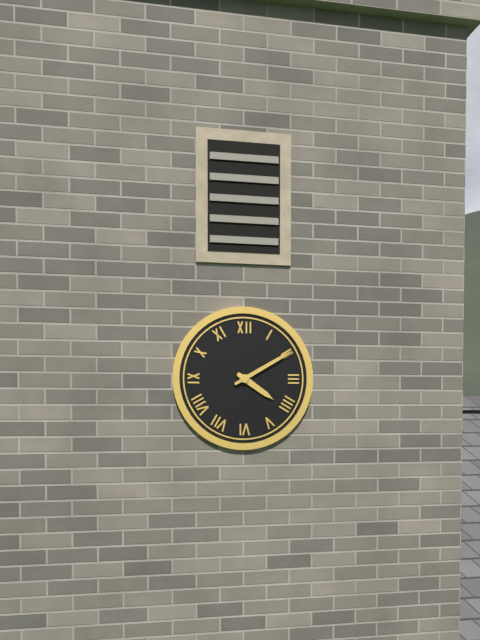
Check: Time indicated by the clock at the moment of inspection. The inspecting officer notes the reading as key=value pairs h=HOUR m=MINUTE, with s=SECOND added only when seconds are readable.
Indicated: h=4 m=10
